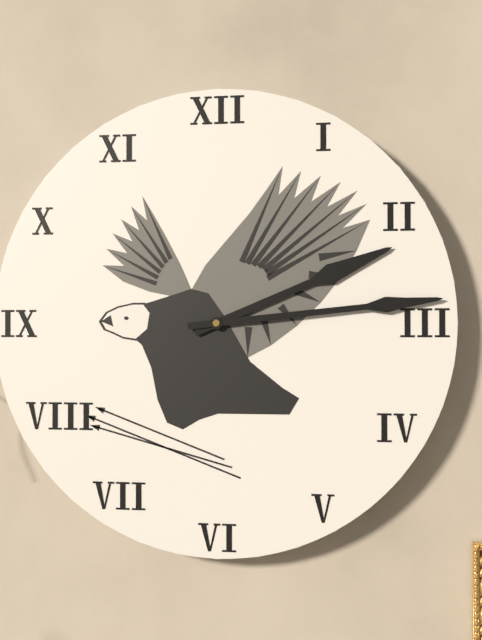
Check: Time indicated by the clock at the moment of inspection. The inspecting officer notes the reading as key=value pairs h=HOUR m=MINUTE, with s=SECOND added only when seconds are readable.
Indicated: h=2 m=14
